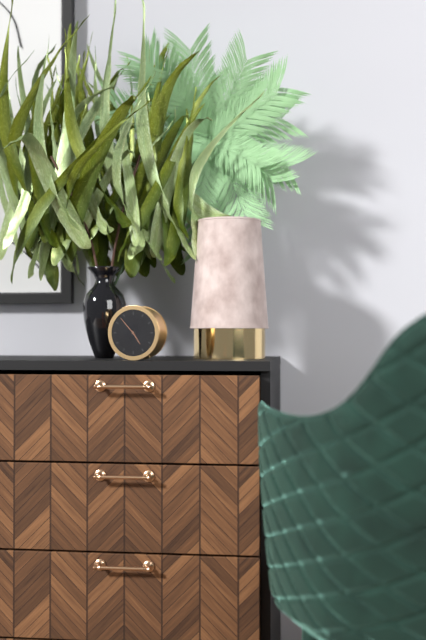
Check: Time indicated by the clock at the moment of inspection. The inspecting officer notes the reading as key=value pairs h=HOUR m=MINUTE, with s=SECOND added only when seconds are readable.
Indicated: h=4 m=53
